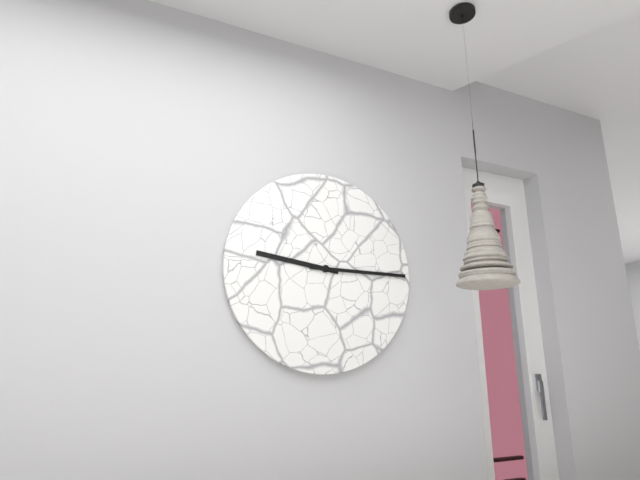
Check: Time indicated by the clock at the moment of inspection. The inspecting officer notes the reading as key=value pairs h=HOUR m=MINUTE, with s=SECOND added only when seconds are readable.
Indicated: h=9 m=15
